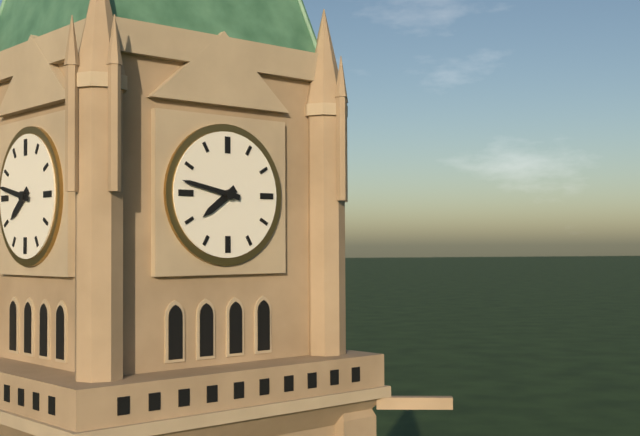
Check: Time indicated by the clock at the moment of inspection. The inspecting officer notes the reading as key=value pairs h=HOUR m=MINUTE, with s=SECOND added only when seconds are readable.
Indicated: h=7 m=47
